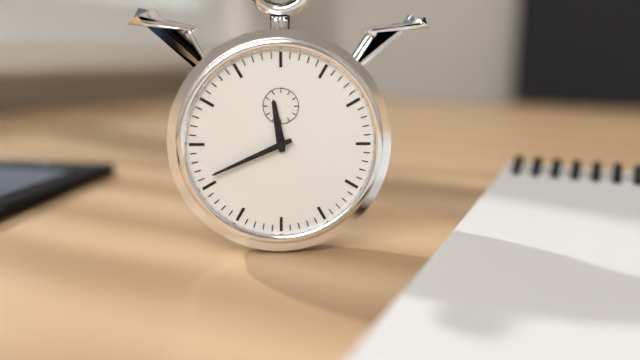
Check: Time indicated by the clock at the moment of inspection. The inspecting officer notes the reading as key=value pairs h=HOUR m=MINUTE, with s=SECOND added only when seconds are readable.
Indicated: h=11 m=41
